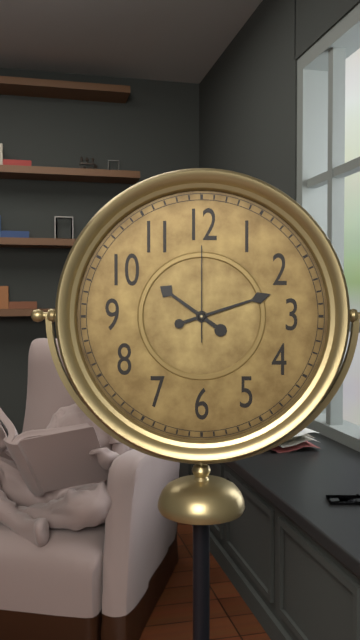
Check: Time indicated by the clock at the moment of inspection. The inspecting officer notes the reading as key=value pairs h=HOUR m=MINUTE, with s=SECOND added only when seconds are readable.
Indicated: h=10 m=12 s=0
